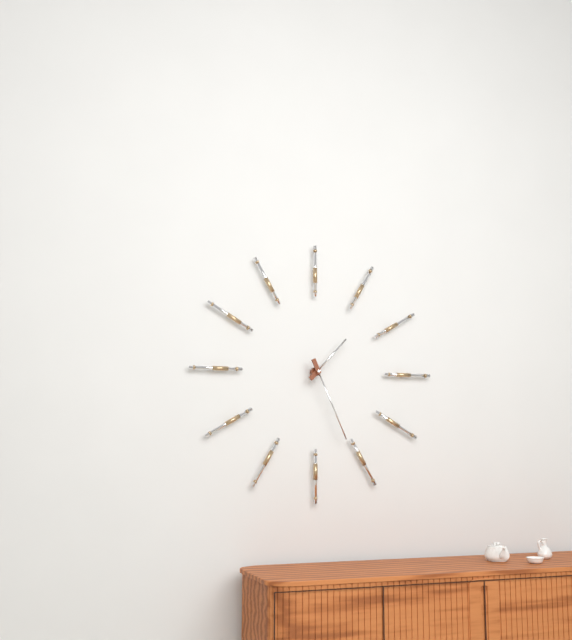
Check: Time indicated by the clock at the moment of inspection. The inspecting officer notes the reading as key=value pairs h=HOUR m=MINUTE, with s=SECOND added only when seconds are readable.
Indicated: h=1 m=26
